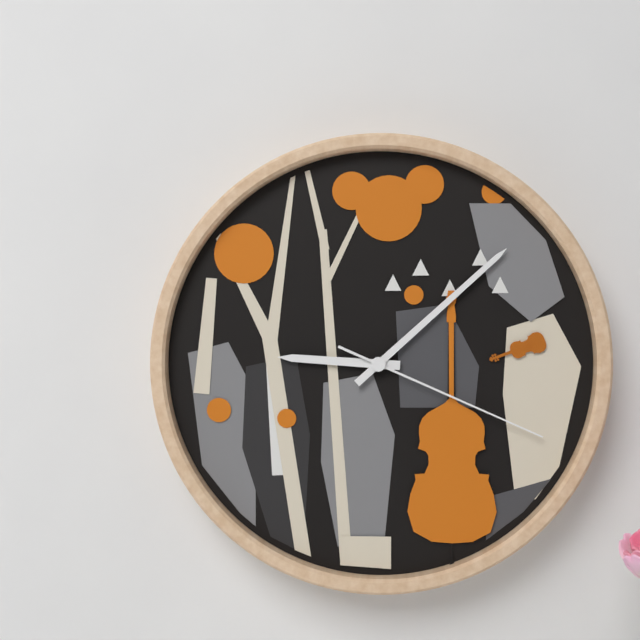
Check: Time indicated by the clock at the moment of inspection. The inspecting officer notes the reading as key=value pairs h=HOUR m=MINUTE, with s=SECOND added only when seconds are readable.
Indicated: h=9 m=8 s=19
